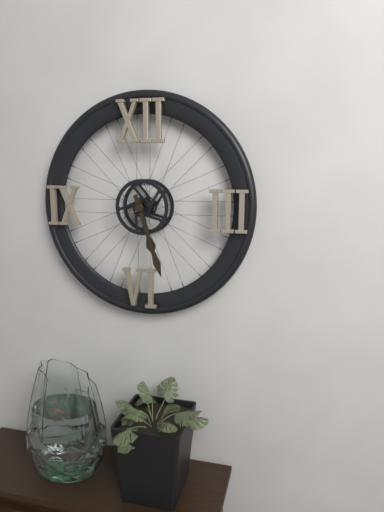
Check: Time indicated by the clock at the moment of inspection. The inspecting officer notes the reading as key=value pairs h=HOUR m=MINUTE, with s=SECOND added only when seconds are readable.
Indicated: h=5 m=27
